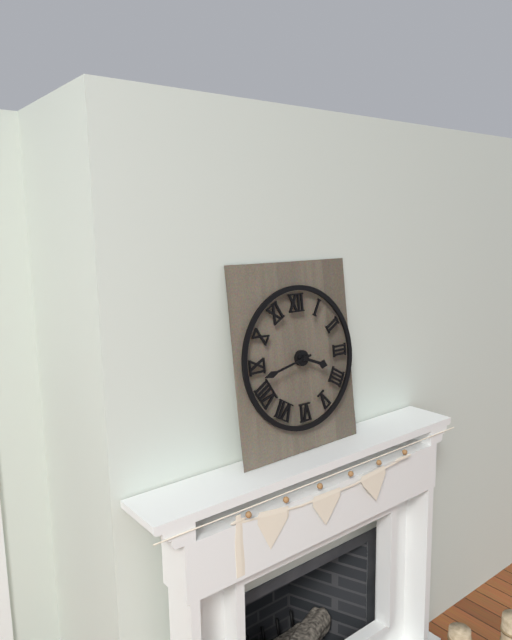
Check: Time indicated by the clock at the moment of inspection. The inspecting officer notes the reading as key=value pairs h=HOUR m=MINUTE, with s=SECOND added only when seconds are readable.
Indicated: h=3 m=43
